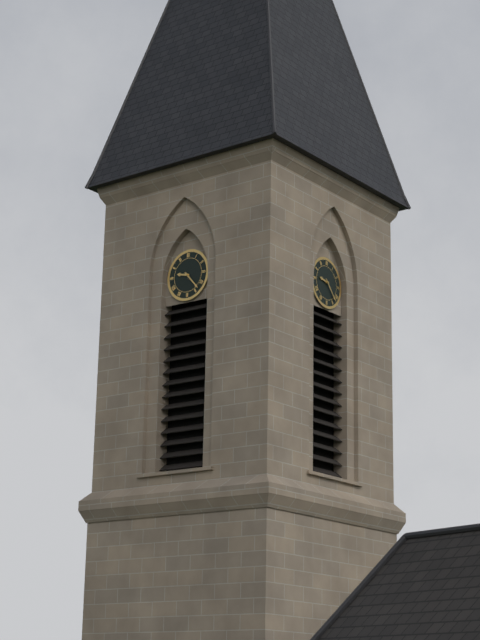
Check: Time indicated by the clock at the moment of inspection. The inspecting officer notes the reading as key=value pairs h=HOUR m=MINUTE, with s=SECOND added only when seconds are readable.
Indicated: h=9 m=23
